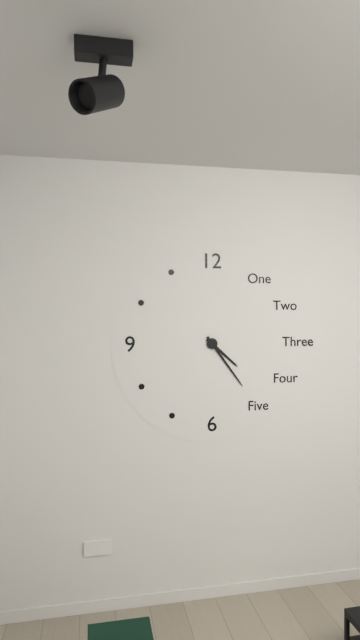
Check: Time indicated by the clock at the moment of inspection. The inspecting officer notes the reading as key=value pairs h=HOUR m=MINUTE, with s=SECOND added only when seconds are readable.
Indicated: h=4 m=24
